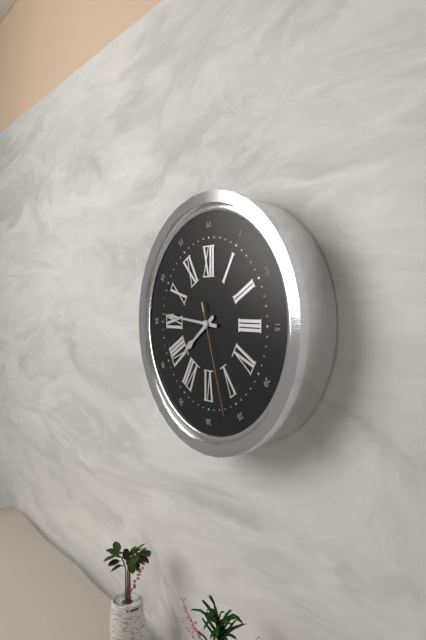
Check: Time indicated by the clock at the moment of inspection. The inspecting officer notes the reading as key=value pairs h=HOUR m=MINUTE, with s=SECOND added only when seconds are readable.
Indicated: h=7 m=46 s=27
